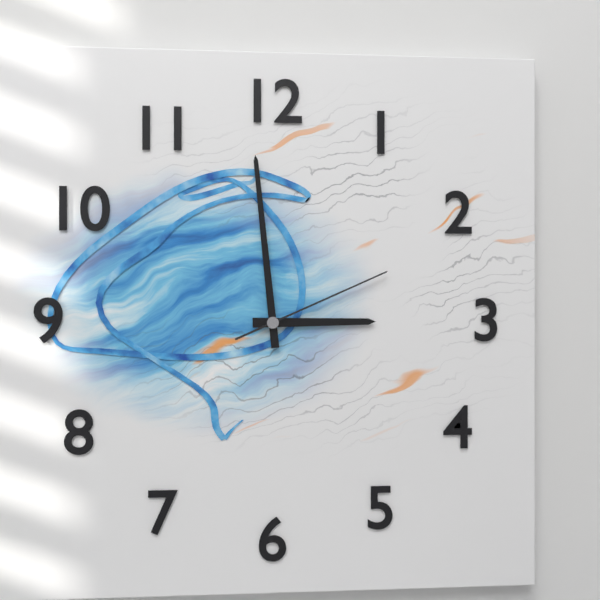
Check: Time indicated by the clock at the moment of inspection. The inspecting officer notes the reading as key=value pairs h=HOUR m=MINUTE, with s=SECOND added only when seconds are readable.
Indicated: h=2 m=59 s=11
